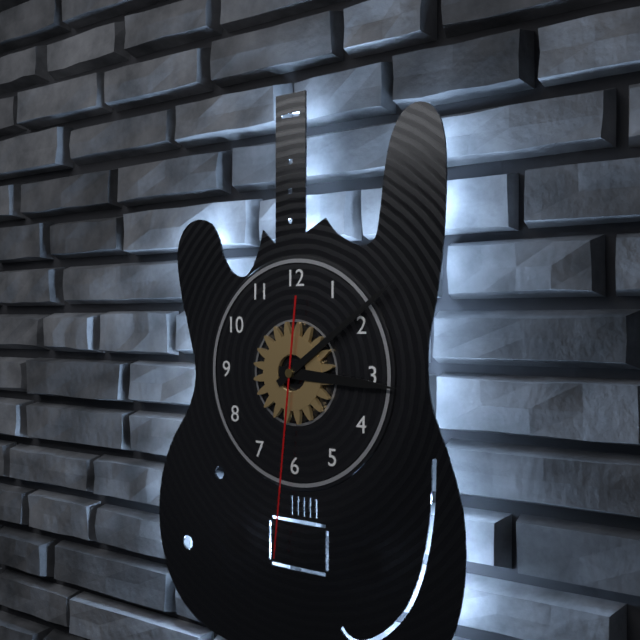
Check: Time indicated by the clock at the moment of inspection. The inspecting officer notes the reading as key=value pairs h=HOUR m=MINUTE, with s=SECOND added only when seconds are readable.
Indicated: h=3 m=9 s=31
